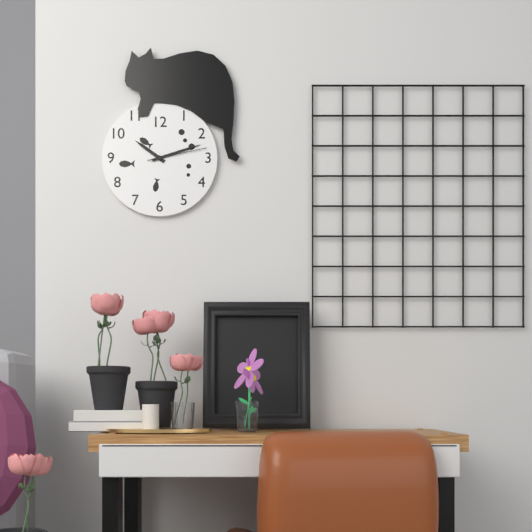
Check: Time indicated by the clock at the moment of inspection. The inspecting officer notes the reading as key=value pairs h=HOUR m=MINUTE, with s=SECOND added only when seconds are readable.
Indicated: h=10 m=12 s=13
